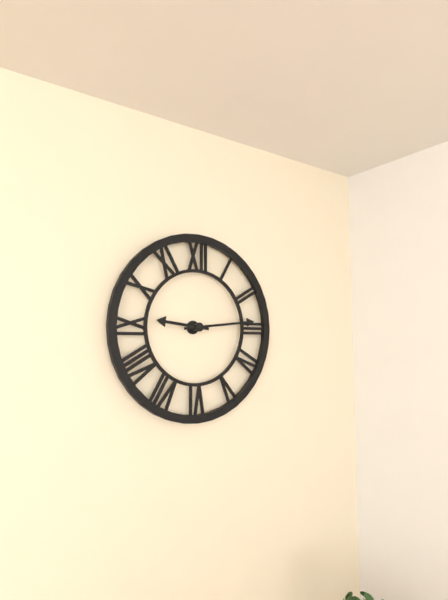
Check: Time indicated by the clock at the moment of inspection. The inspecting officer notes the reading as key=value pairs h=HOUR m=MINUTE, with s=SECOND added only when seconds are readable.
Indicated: h=9 m=14
